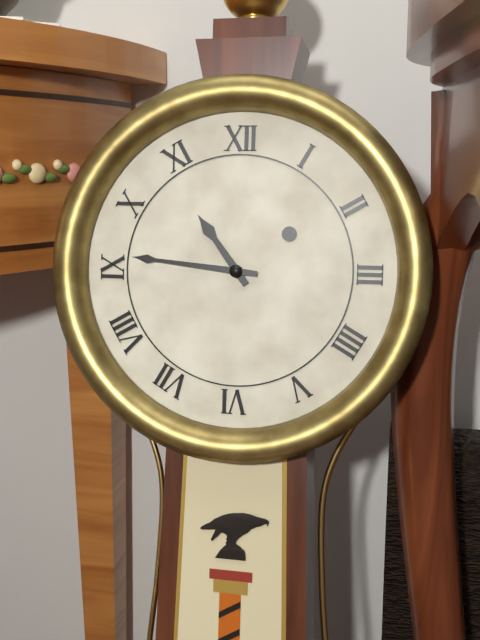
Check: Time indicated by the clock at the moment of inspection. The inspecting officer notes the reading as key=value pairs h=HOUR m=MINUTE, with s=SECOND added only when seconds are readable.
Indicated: h=10 m=46
